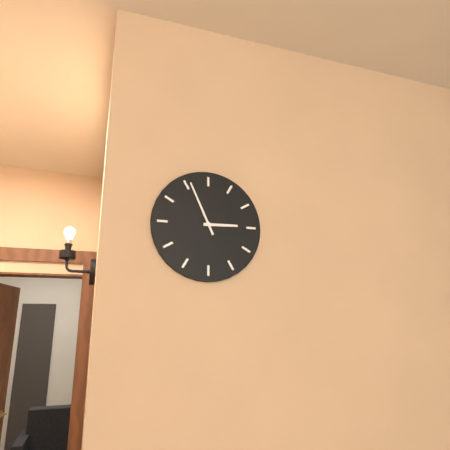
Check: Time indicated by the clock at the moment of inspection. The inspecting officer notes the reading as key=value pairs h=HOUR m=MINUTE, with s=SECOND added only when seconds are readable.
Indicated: h=2 m=56
